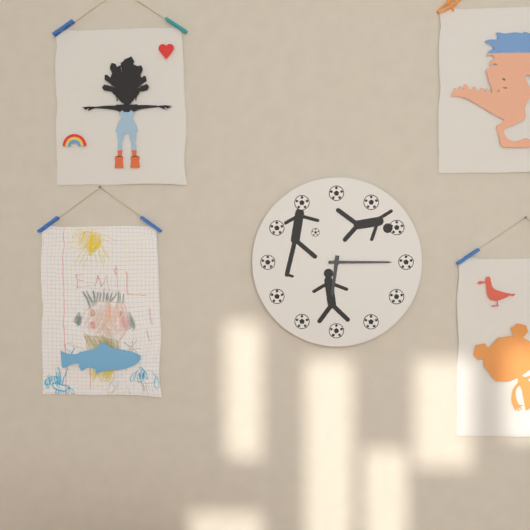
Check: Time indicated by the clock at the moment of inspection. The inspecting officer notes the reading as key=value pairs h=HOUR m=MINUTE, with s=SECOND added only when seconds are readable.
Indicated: h=6 m=15
